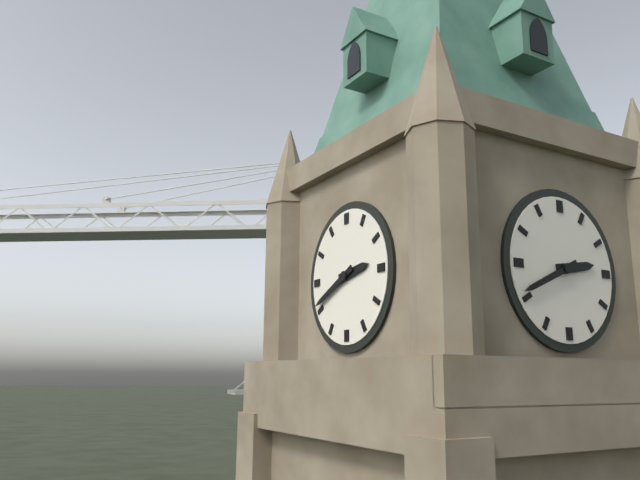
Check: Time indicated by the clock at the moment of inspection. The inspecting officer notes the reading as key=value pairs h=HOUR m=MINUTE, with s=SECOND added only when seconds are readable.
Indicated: h=2 m=41
